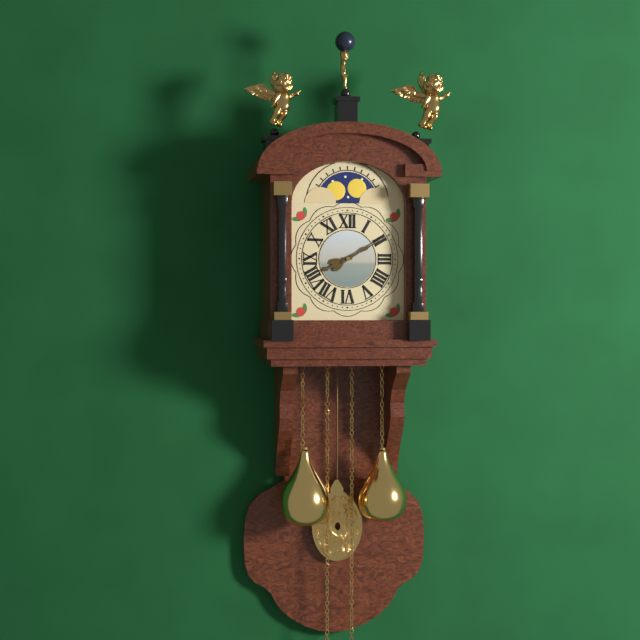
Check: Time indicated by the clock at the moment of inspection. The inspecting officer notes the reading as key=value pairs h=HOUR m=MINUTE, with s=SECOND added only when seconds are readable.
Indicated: h=8 m=10
